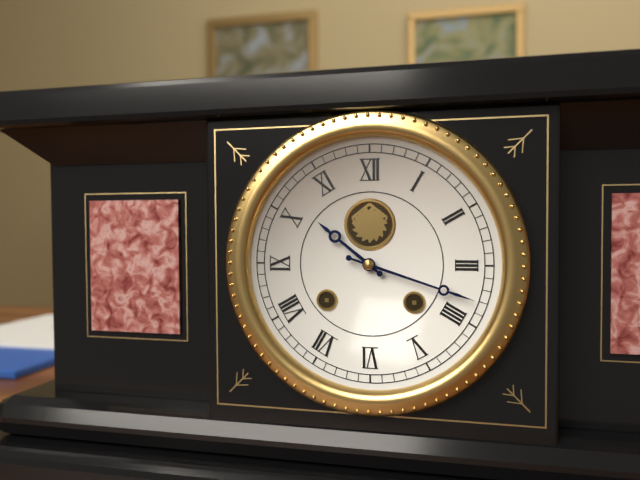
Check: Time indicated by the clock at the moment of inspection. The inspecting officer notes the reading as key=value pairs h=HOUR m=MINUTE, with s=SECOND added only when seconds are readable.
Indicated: h=10 m=18
